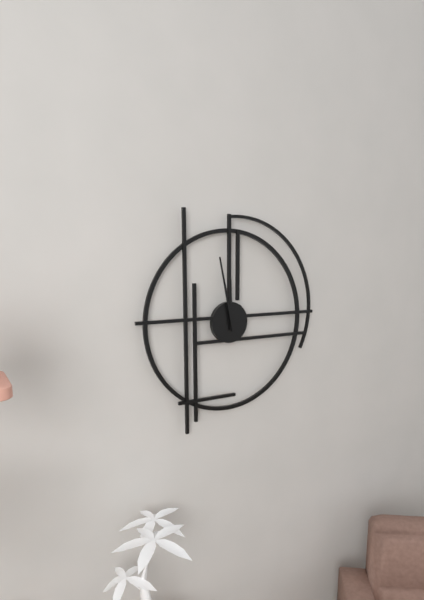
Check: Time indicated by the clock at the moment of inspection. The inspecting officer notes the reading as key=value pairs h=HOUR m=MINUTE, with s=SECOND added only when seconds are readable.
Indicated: h=11 m=58
